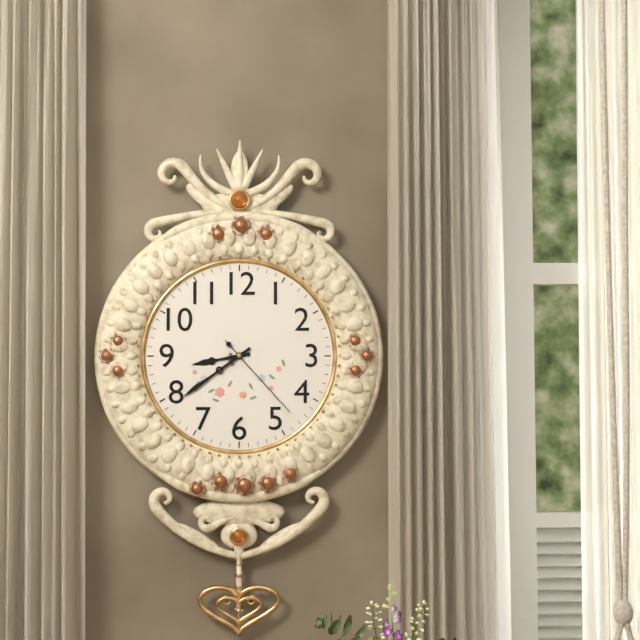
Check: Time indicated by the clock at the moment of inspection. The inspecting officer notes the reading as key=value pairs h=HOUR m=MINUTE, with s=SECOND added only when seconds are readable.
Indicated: h=8 m=39 s=23
